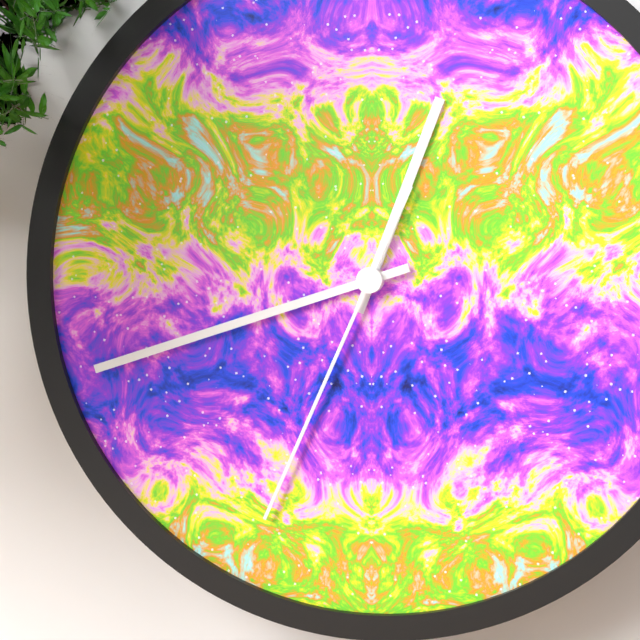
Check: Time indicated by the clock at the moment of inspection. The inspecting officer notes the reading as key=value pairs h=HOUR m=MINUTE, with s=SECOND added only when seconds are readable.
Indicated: h=12 m=42 s=34
